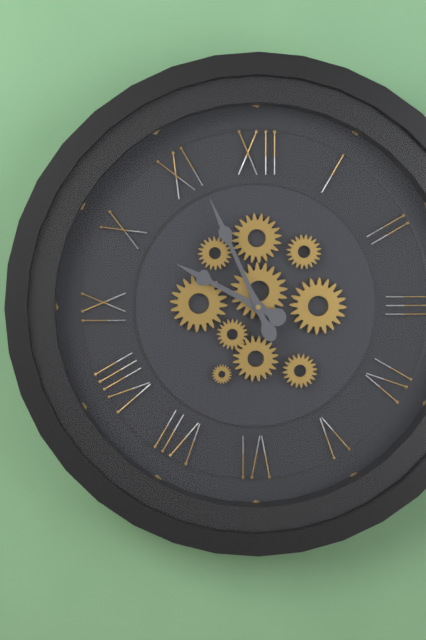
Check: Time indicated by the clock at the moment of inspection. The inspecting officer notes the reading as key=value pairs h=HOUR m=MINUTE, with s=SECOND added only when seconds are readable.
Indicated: h=9 m=56
